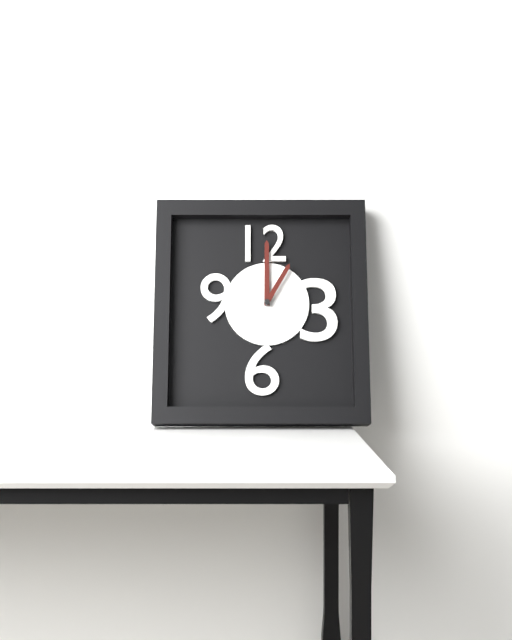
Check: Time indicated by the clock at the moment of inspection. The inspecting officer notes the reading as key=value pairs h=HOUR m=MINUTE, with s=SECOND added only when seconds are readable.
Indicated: h=12 m=0 s=5
